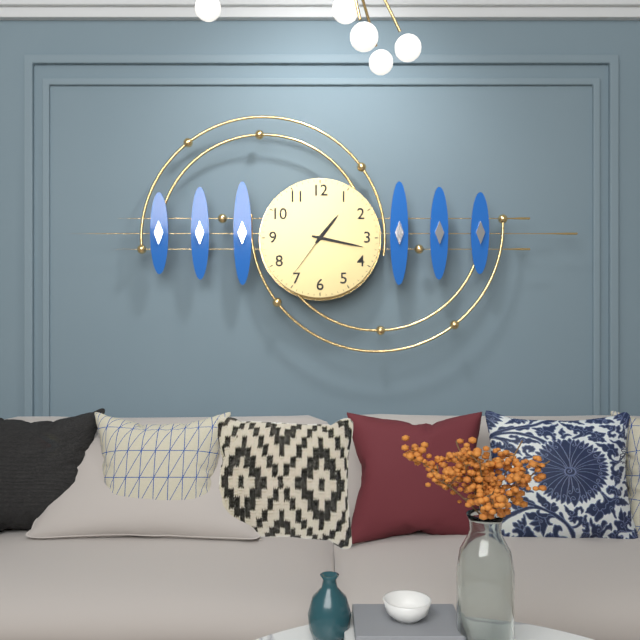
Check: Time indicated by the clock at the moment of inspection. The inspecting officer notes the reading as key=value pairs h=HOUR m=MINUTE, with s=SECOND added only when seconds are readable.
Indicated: h=1 m=17 s=36
